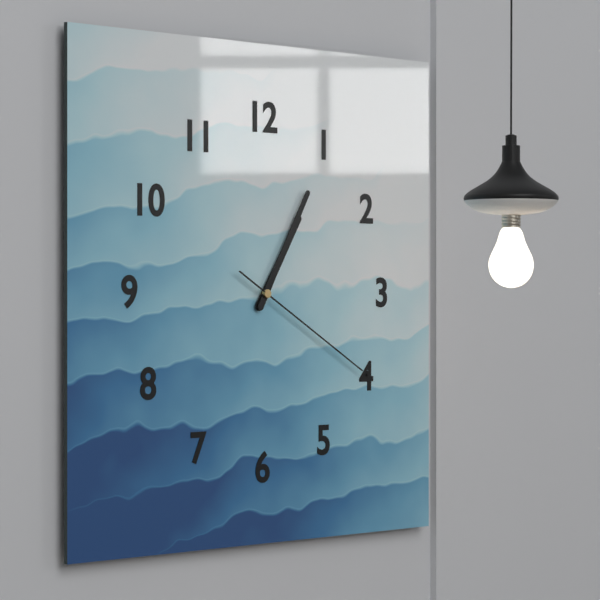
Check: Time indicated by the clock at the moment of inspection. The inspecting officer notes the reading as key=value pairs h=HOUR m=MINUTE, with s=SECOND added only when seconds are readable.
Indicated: h=1 m=5 s=20
